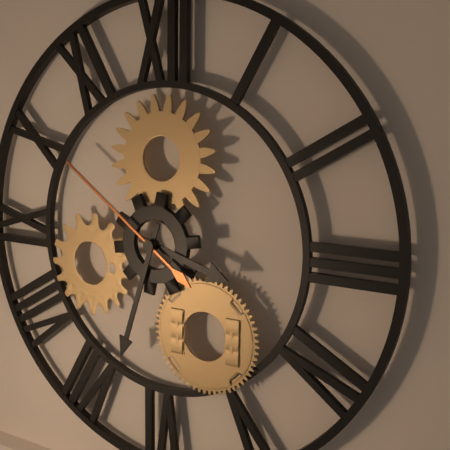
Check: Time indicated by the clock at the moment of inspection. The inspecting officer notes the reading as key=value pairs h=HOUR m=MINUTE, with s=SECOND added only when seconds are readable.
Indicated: h=3 m=33 s=51
